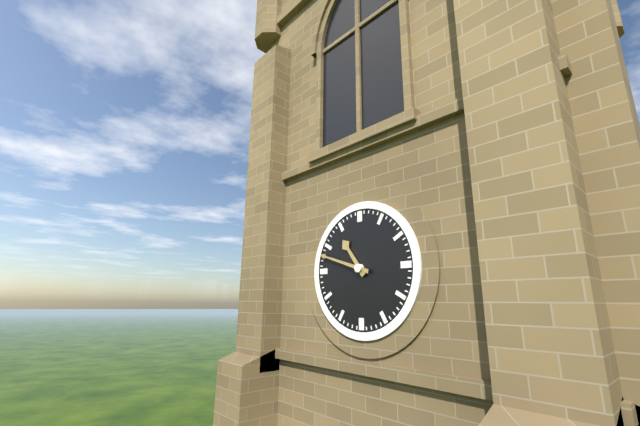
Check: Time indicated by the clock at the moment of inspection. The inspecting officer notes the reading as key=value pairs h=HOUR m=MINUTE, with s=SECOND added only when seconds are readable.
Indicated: h=10 m=48
